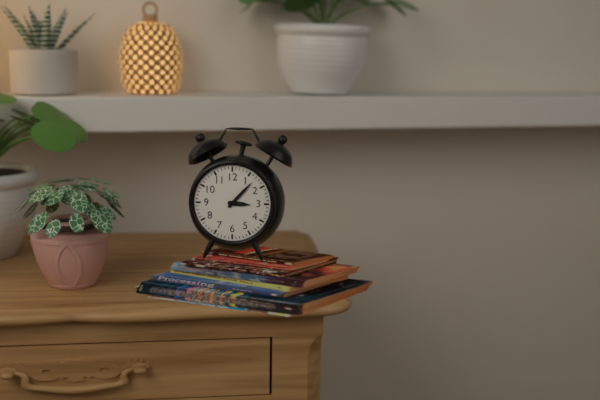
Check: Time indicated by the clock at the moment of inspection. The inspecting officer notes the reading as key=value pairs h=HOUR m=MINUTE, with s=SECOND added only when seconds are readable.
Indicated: h=3 m=7
